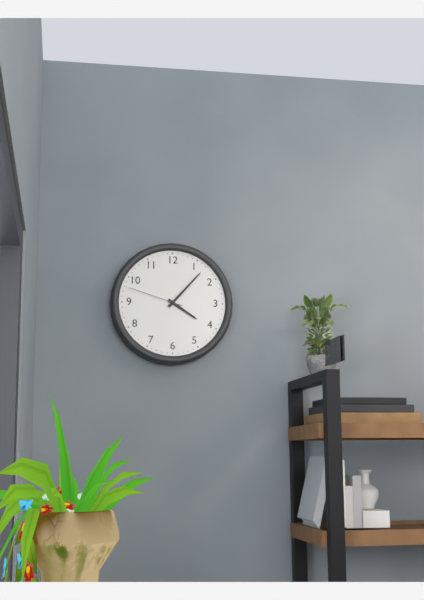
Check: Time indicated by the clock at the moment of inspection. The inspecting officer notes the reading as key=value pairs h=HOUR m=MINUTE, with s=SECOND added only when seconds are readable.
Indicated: h=4 m=7 s=48
